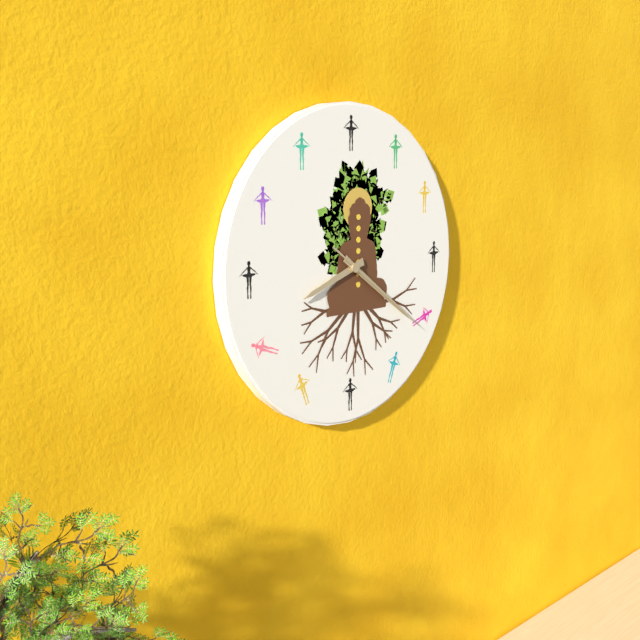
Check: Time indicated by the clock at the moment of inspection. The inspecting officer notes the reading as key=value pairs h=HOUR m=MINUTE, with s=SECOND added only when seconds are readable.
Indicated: h=8 m=21 s=21
